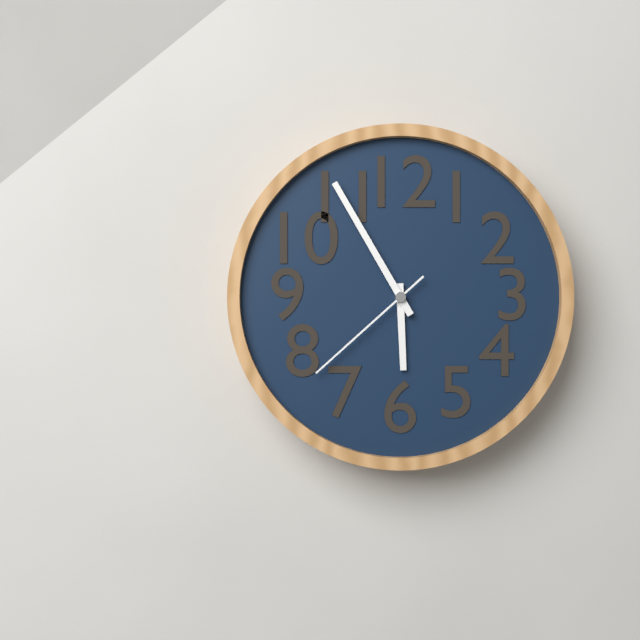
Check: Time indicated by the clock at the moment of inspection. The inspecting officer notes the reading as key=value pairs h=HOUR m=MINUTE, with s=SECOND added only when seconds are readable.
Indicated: h=5 m=55 s=38
